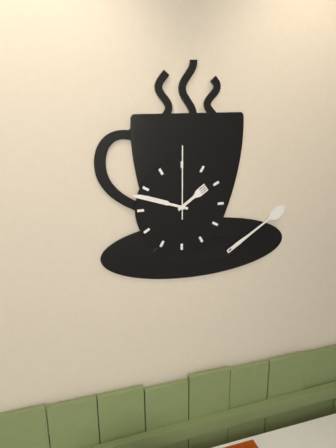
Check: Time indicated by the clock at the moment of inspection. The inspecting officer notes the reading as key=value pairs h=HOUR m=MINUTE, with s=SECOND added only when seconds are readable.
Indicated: h=1 m=48 s=0
